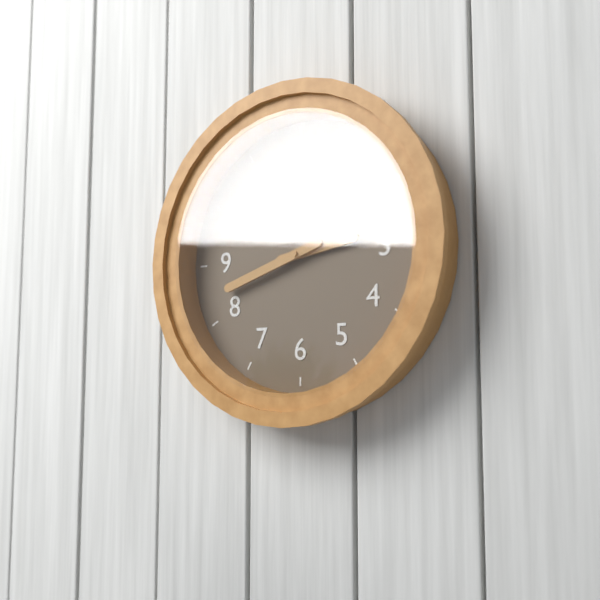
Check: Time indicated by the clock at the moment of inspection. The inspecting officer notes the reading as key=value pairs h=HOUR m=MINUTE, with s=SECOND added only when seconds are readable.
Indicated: h=2 m=42
